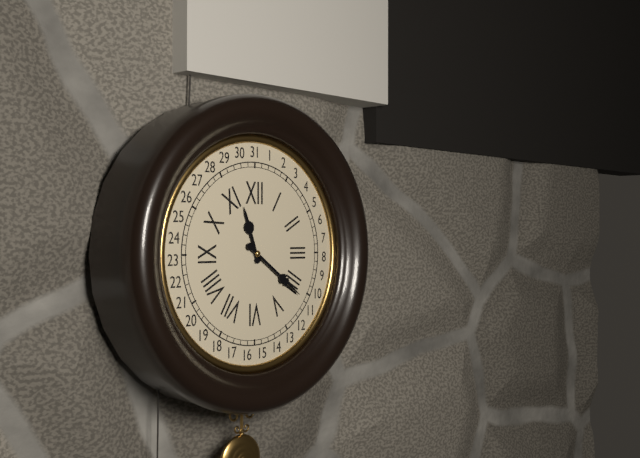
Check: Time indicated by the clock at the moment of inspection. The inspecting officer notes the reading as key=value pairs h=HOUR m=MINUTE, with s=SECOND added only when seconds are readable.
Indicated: h=11 m=21
